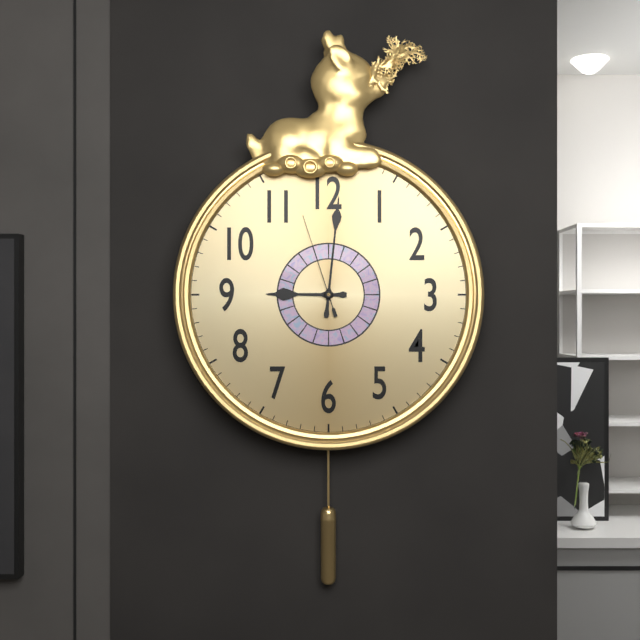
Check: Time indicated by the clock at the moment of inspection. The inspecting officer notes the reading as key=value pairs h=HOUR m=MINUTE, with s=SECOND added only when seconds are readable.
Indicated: h=9 m=1 s=57
